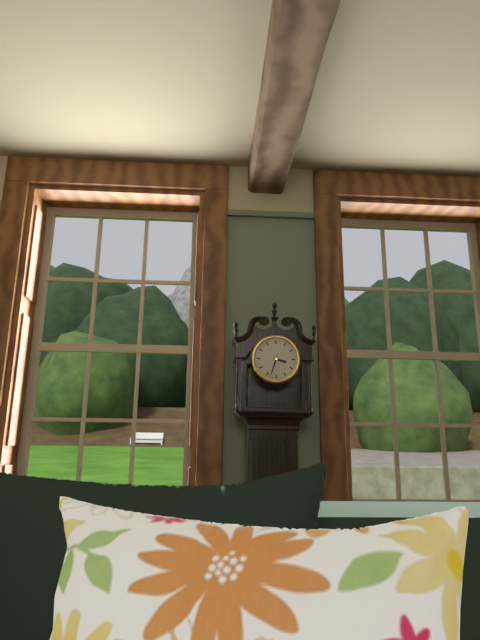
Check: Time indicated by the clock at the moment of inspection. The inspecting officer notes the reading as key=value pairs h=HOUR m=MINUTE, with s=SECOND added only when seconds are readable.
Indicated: h=3 m=33
